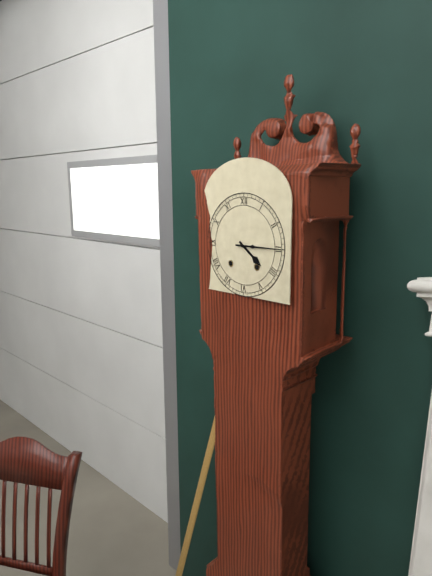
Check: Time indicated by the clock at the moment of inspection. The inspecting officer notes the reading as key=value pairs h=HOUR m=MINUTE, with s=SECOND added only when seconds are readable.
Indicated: h=4 m=15
